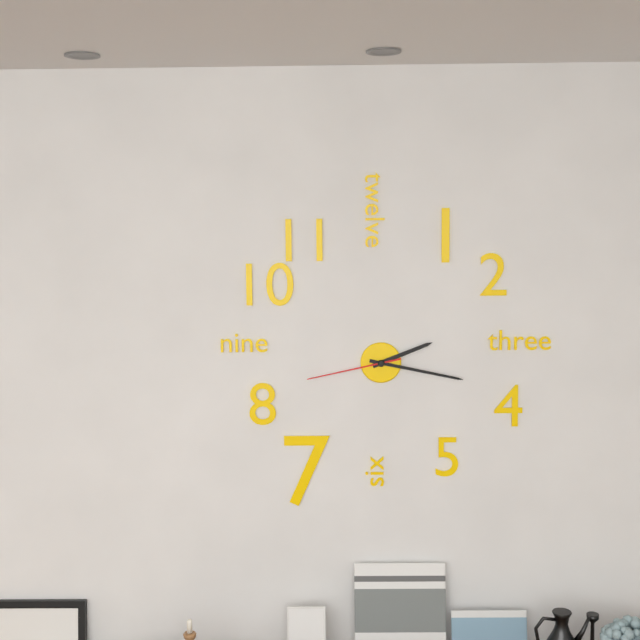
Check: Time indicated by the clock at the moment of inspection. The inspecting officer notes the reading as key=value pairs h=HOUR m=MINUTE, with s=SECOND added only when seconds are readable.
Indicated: h=2 m=17 s=43
